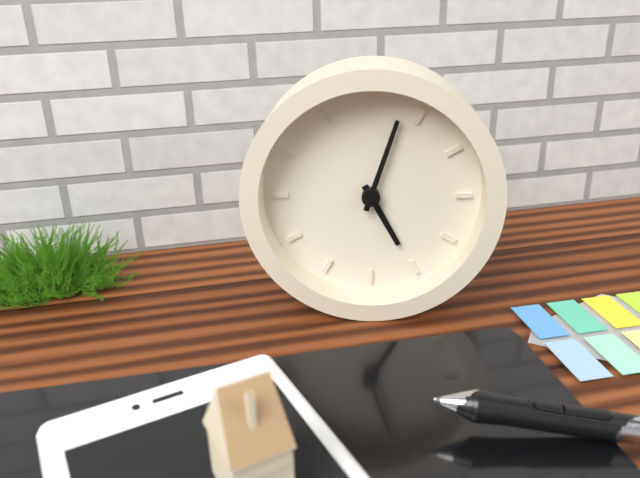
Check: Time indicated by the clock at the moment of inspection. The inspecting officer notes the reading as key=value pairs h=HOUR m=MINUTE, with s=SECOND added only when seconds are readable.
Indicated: h=5 m=3
